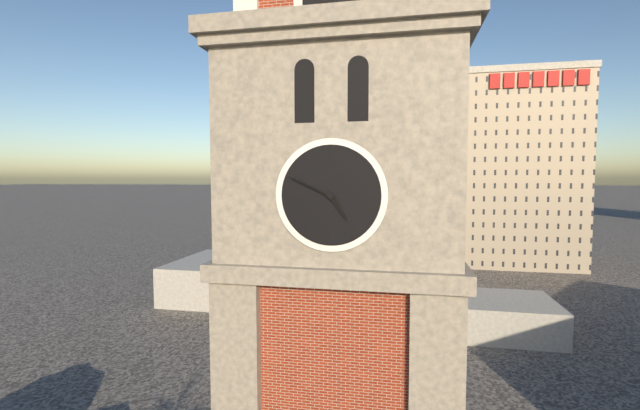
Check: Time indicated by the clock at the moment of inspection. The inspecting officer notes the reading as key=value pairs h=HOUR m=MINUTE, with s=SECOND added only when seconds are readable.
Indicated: h=4 m=49
